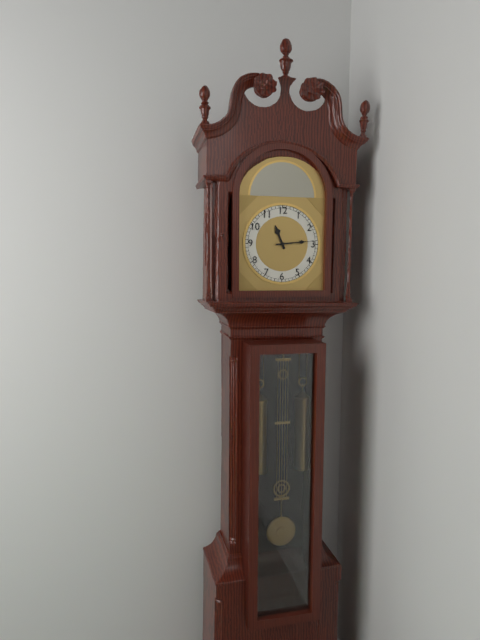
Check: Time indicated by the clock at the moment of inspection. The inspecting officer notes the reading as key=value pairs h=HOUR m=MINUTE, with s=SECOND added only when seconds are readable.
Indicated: h=11 m=14
